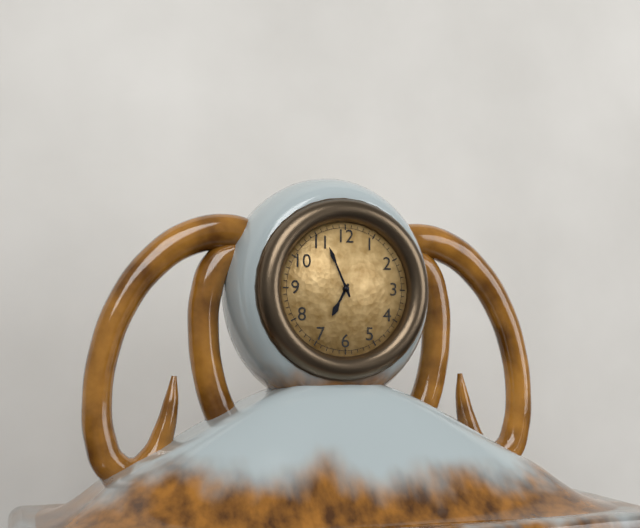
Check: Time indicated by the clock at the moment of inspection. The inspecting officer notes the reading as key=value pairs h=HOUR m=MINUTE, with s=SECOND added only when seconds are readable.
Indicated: h=6 m=56
